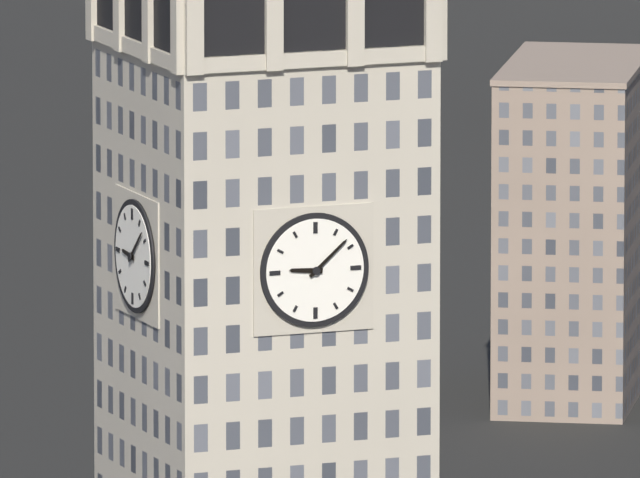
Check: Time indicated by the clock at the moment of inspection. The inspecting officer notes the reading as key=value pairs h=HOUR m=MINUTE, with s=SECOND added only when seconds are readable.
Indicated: h=9 m=8
